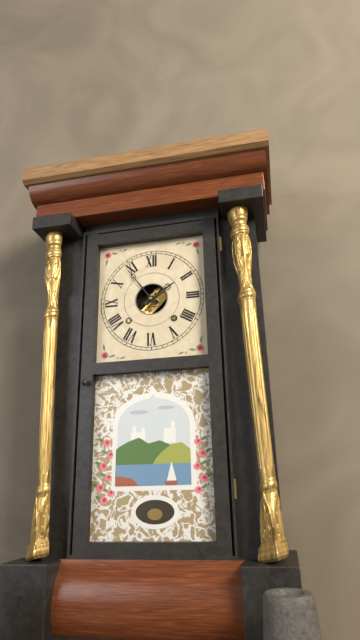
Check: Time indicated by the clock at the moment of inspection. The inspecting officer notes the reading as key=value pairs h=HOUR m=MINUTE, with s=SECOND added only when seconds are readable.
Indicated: h=1 m=54
